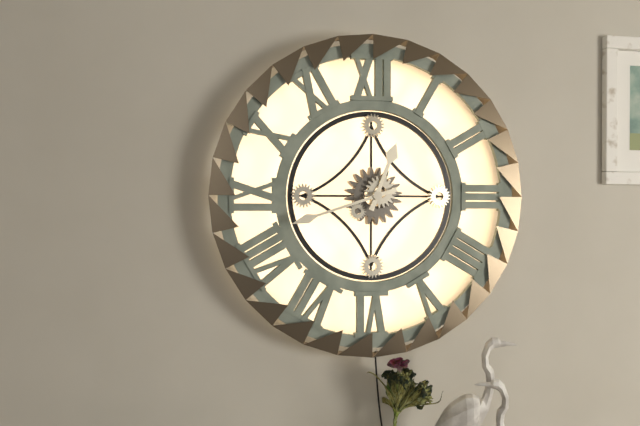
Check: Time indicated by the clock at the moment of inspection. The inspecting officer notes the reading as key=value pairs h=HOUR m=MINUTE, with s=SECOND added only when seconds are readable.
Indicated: h=12 m=42
